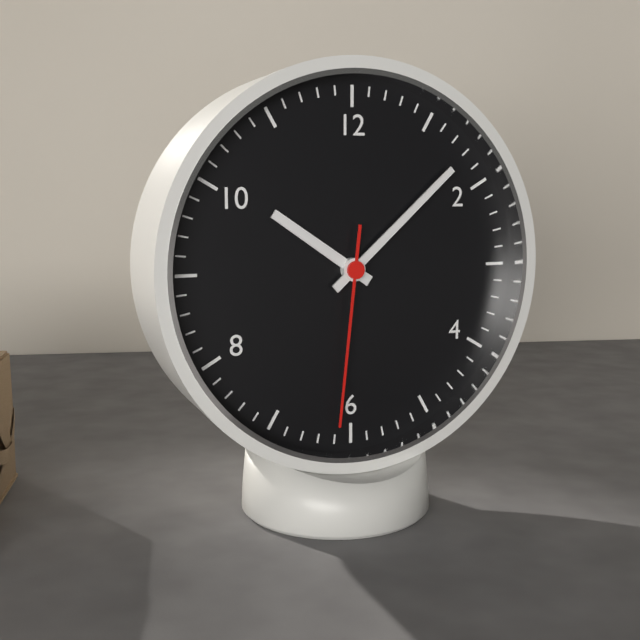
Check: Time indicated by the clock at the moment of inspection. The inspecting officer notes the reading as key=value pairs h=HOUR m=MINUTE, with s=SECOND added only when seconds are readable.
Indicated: h=10 m=8 s=31
